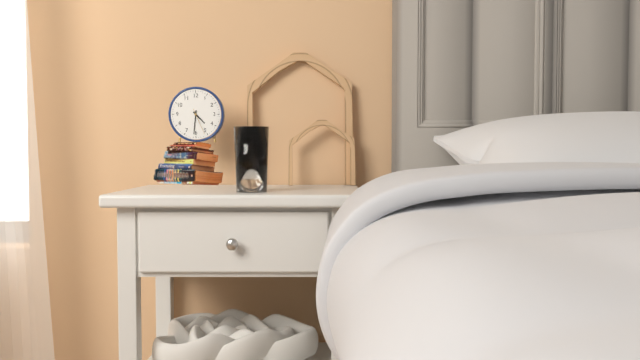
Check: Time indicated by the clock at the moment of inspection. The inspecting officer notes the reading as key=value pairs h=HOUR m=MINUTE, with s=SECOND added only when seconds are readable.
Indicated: h=4 m=31
